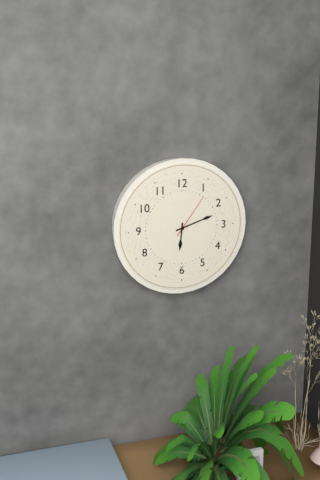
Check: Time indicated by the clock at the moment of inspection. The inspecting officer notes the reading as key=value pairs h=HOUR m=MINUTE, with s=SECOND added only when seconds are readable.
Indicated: h=6 m=12
